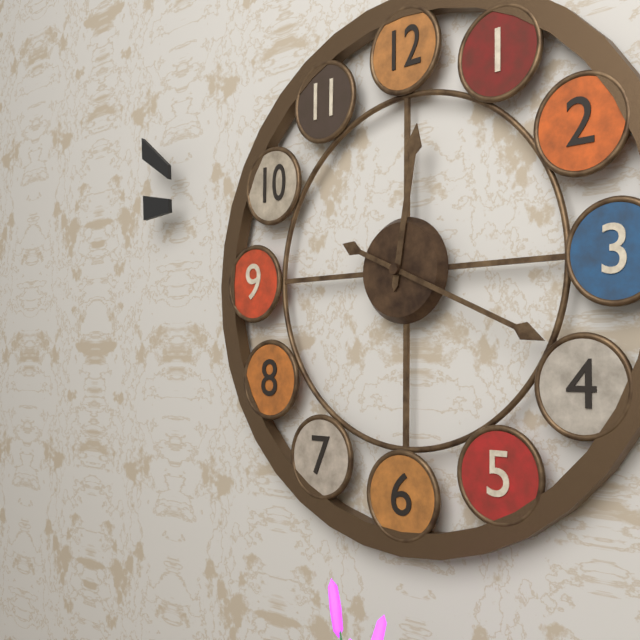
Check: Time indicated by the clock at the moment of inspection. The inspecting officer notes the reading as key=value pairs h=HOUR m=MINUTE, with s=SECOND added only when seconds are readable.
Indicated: h=12 m=19
